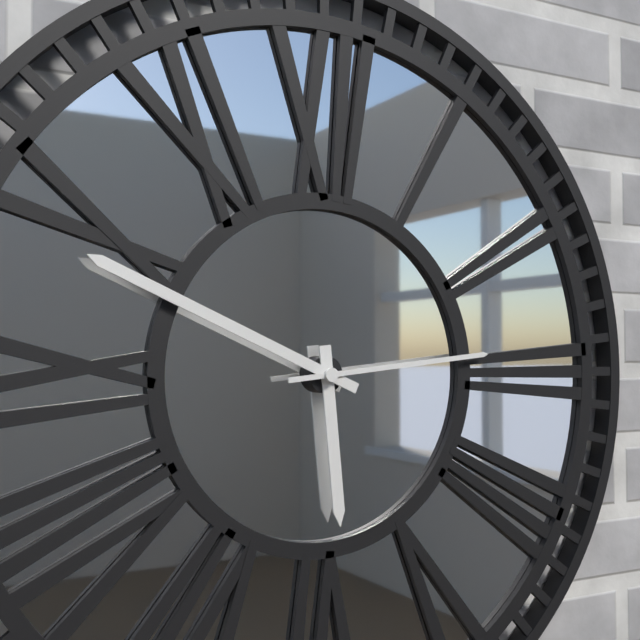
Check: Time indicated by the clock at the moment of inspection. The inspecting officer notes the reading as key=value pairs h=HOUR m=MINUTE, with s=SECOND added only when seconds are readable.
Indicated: h=5 m=49 s=14
